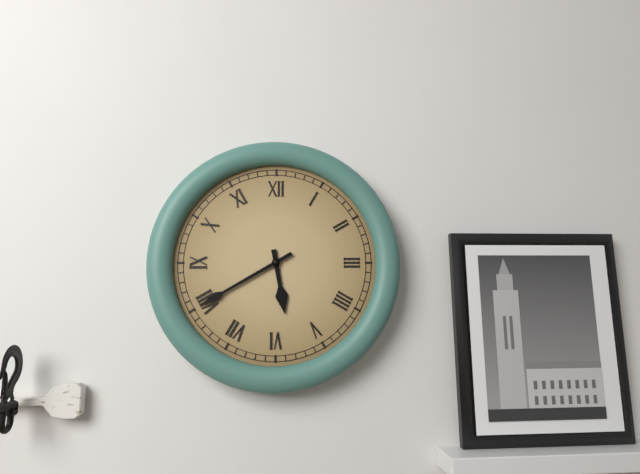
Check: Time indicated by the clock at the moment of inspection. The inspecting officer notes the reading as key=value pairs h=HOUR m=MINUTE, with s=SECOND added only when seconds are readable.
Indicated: h=5 m=40
